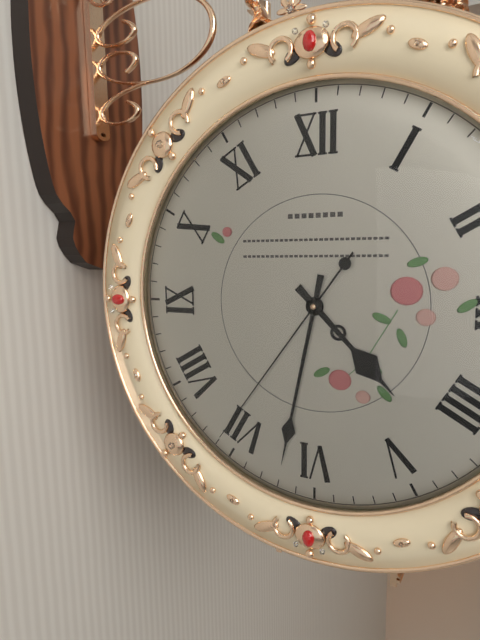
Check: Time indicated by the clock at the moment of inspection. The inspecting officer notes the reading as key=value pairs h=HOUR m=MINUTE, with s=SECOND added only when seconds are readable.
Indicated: h=4 m=32 s=36
